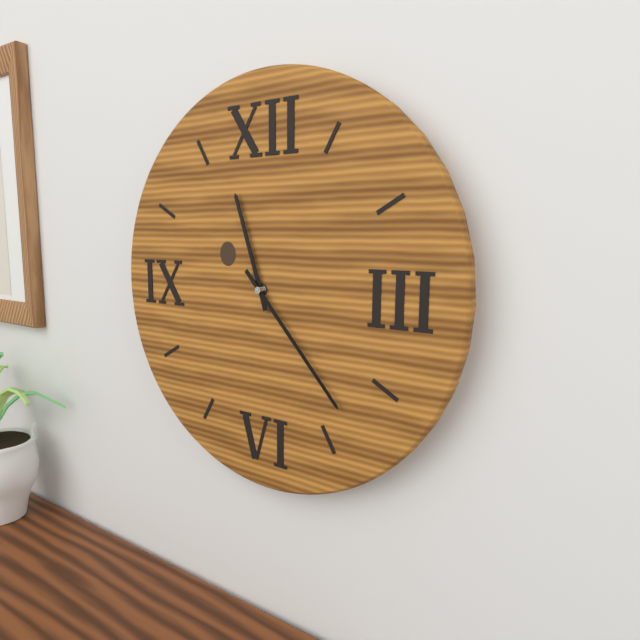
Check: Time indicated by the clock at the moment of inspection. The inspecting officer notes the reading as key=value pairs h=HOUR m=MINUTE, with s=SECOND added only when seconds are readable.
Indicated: h=11 m=23
